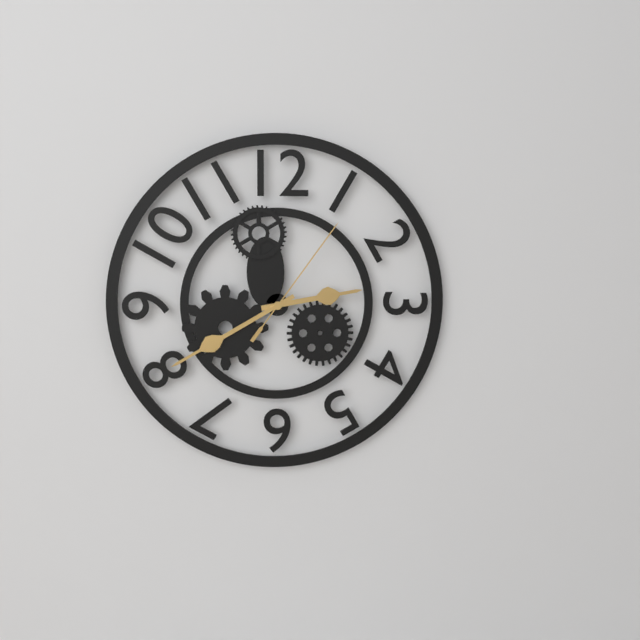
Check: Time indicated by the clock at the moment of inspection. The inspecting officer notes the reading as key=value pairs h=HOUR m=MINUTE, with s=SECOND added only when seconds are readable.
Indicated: h=2 m=40 s=6
